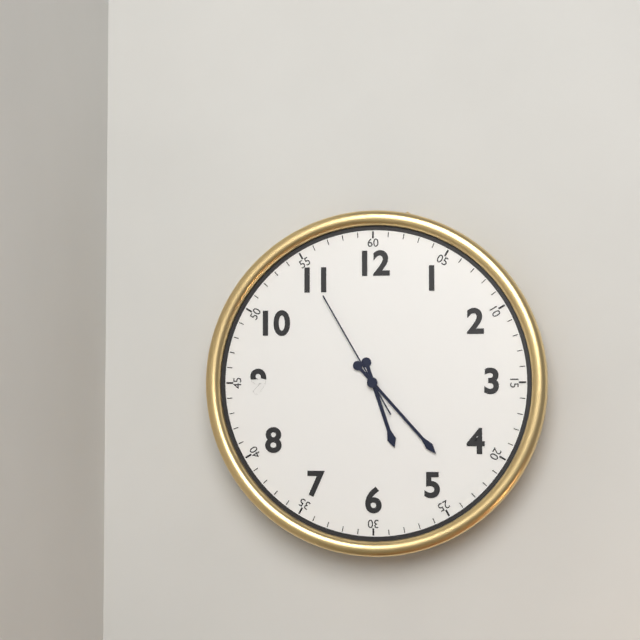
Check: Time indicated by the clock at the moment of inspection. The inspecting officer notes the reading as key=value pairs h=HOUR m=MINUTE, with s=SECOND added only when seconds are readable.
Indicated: h=5 m=23 s=55
